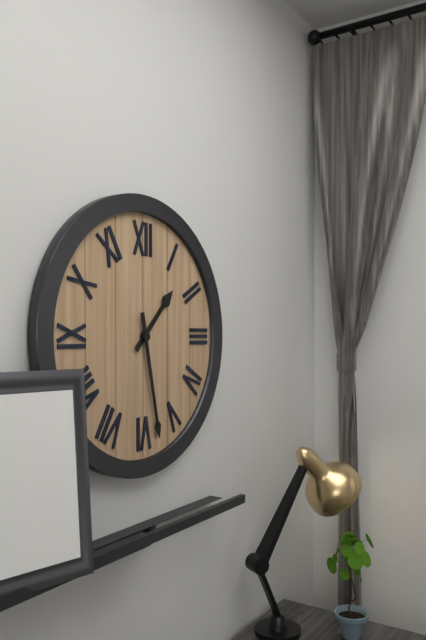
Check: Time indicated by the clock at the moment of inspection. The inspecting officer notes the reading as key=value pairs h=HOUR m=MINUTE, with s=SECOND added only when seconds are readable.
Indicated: h=1 m=28
